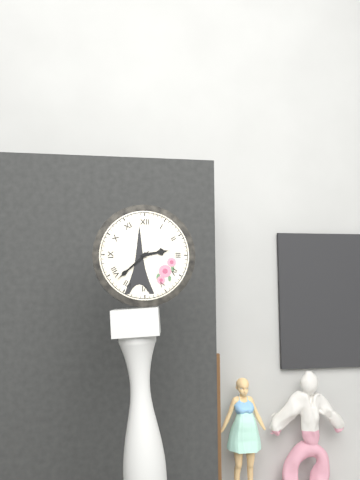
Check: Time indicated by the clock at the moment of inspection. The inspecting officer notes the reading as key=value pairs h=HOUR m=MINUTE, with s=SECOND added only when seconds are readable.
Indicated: h=2 m=38
